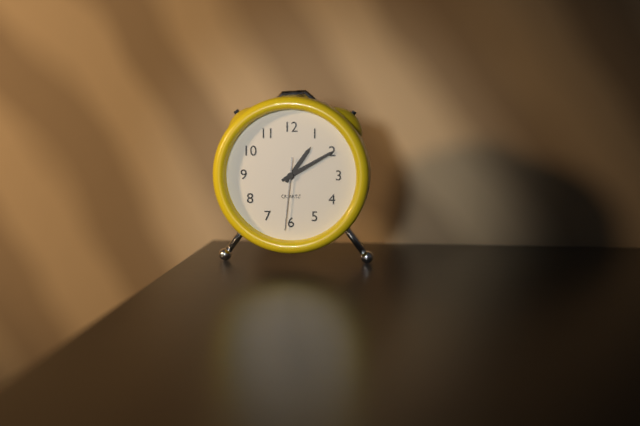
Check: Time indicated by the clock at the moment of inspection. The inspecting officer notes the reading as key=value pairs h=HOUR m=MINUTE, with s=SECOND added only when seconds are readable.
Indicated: h=1 m=10 s=31
